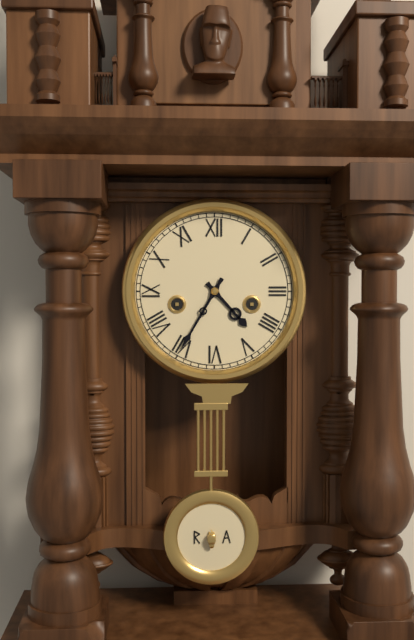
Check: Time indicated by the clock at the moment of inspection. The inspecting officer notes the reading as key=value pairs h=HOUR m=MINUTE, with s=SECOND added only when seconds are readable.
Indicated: h=4 m=35
